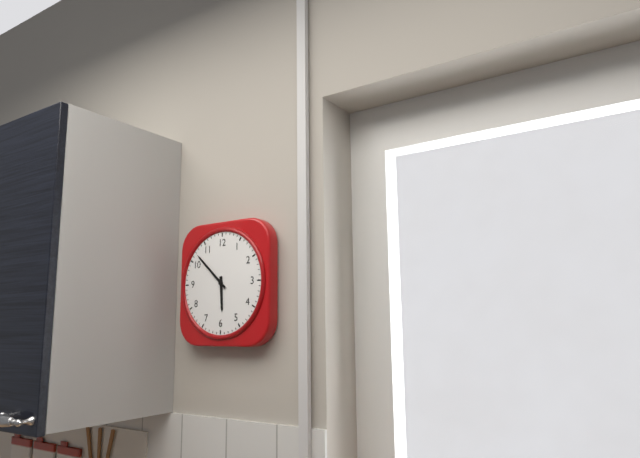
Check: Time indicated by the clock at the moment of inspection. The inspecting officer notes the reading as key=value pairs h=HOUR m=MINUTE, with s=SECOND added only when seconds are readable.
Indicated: h=5 m=52
